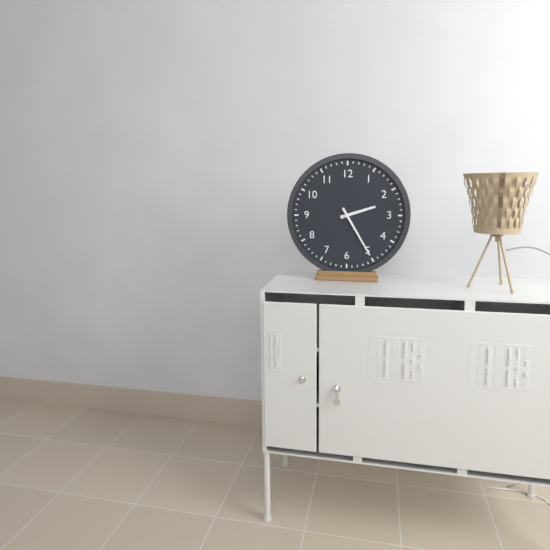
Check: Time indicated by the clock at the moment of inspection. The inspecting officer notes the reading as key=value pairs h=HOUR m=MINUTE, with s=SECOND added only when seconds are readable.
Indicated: h=2 m=25
